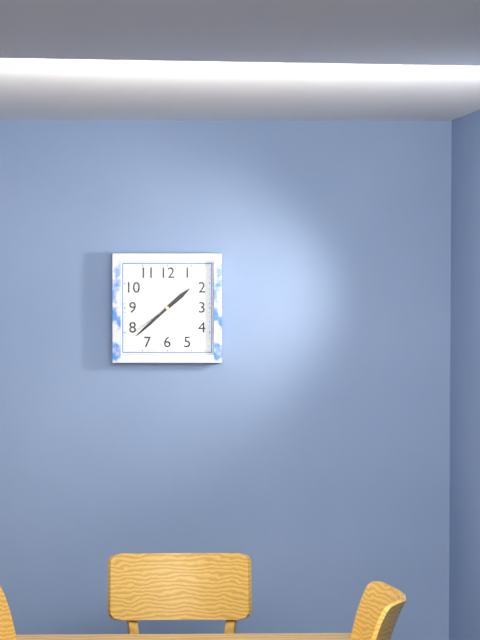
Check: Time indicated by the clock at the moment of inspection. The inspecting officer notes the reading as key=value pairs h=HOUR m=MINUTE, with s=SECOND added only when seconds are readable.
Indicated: h=1 m=38 s=39
